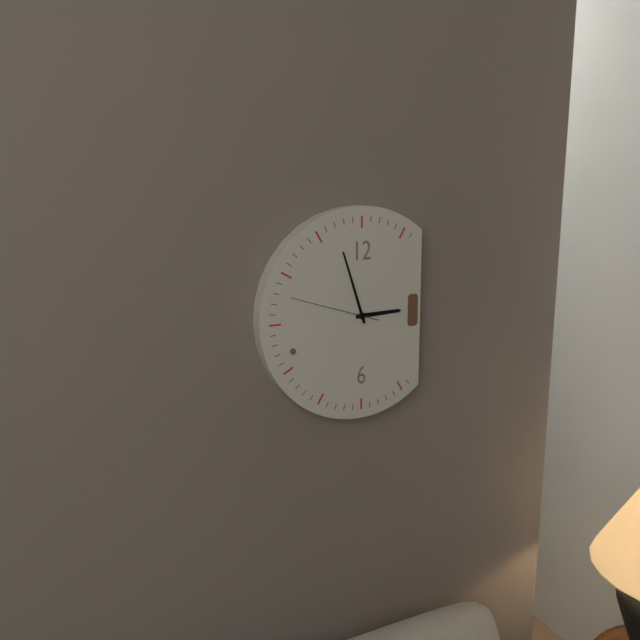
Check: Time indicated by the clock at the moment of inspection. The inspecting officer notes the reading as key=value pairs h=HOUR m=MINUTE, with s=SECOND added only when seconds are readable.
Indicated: h=2 m=57 s=48
